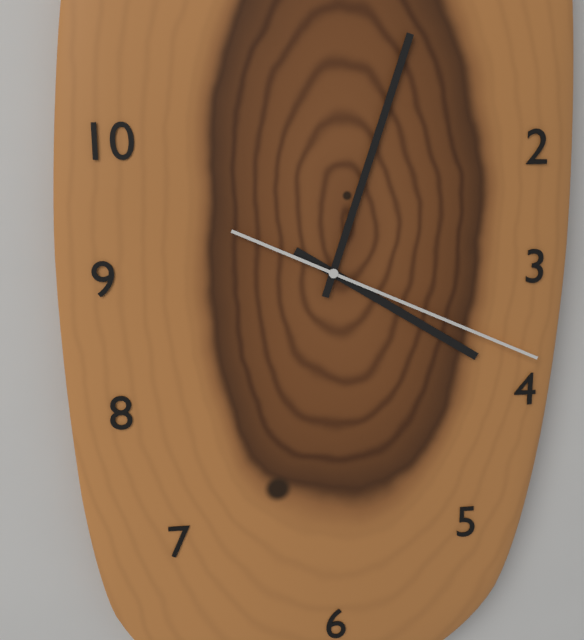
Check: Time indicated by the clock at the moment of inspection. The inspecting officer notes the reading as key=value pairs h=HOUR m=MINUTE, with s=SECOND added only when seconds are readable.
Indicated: h=4 m=3 s=19
